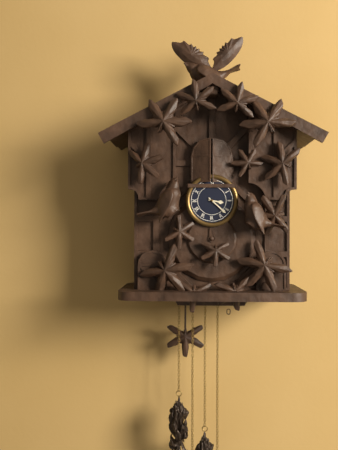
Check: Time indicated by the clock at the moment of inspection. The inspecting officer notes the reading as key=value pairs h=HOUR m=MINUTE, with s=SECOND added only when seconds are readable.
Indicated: h=3 m=22
